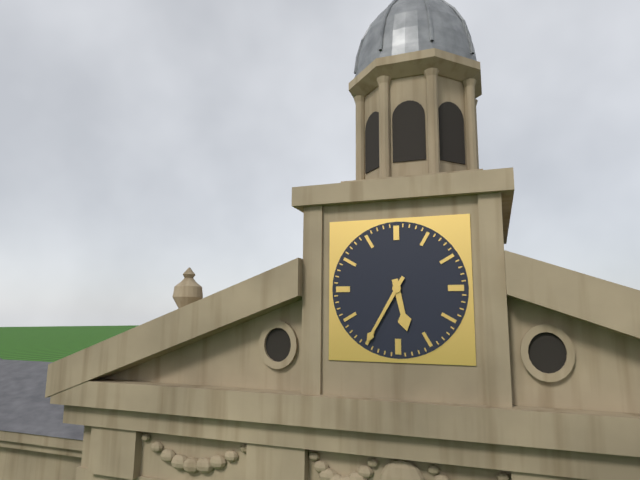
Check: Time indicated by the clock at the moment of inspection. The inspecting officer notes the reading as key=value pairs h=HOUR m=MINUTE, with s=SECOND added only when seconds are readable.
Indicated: h=5 m=35
